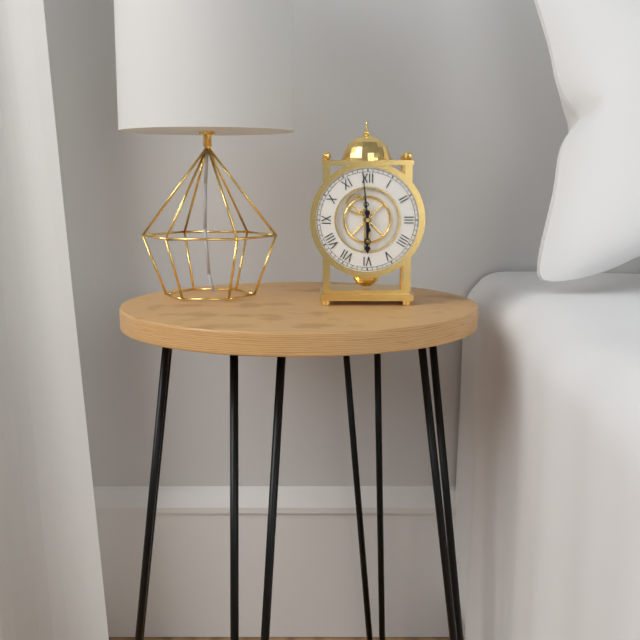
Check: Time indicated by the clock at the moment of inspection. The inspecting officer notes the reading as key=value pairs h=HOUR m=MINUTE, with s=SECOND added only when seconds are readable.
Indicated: h=5 m=59
